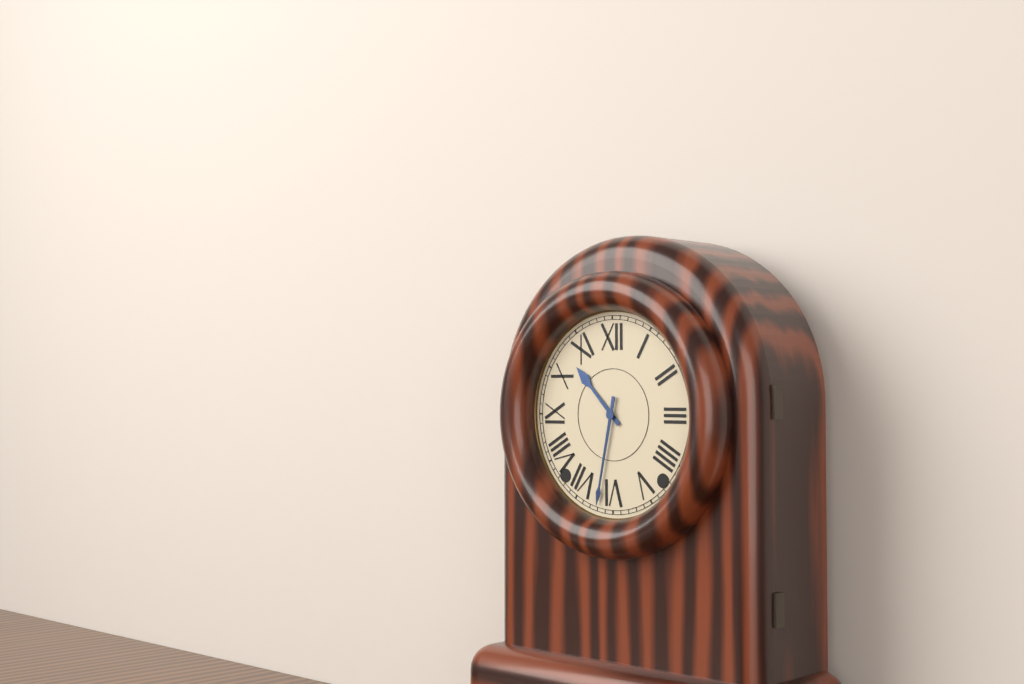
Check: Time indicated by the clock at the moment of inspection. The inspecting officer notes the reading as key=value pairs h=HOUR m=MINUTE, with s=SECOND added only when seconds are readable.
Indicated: h=10 m=32
